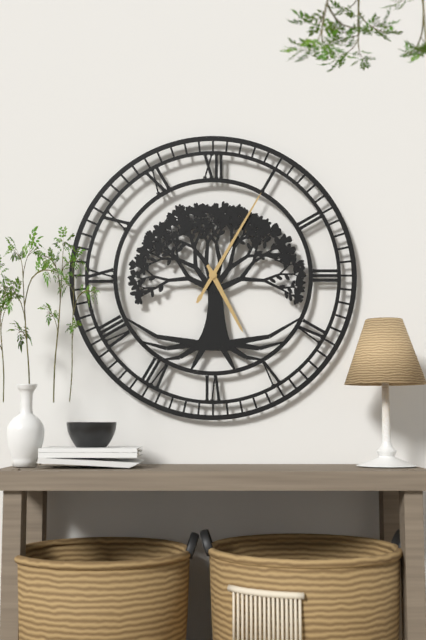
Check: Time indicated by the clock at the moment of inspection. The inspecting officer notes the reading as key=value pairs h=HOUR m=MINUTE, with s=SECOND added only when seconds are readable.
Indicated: h=5 m=5
